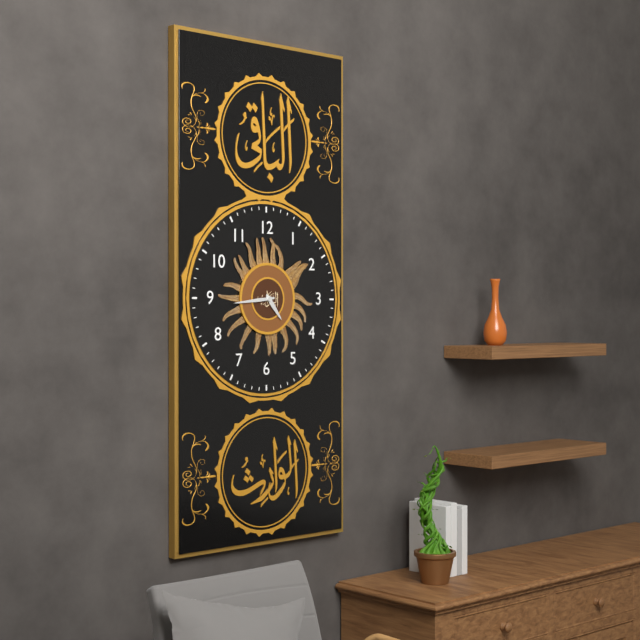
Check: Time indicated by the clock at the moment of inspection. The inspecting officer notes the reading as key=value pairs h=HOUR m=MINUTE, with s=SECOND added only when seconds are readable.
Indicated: h=4 m=44
